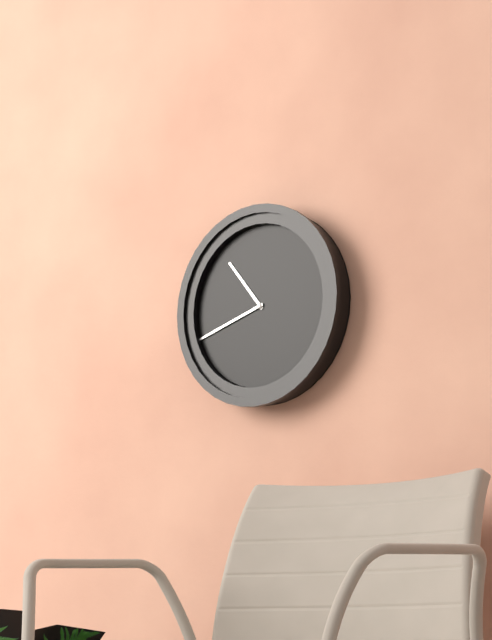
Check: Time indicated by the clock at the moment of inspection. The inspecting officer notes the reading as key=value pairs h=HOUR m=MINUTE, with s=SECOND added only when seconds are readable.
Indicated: h=10 m=42
